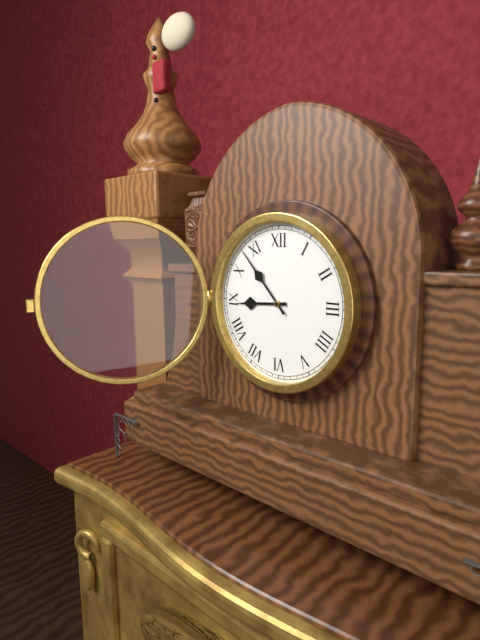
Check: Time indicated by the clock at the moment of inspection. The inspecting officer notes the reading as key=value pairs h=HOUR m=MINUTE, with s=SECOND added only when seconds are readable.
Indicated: h=8 m=53
